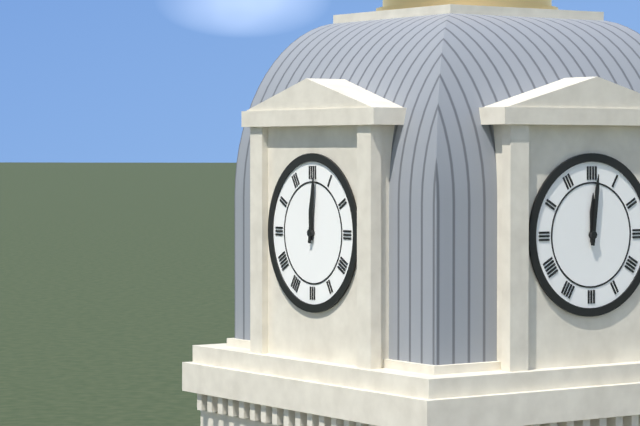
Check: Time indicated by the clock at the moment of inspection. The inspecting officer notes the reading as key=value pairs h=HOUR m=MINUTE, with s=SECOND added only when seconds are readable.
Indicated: h=12 m=1
